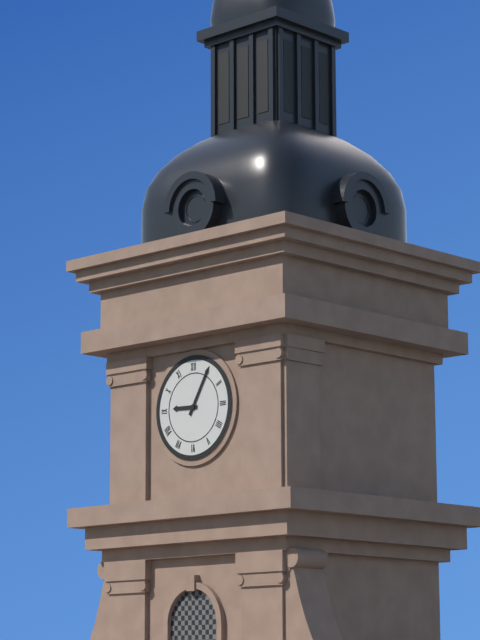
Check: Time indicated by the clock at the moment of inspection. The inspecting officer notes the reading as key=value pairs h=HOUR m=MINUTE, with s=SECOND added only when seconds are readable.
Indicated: h=9 m=5
